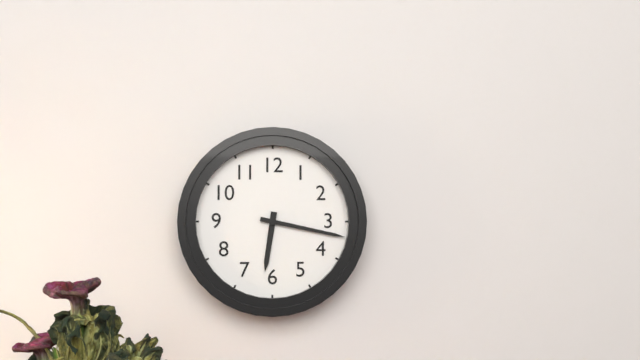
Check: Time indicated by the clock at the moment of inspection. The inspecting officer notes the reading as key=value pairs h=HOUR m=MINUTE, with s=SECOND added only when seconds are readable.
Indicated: h=6 m=17
